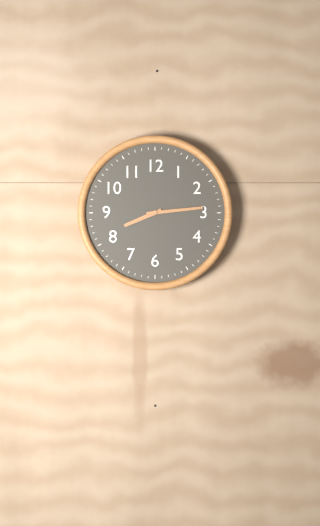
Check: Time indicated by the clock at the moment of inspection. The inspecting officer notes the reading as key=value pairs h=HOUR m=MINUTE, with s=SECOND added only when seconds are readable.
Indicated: h=8 m=14
